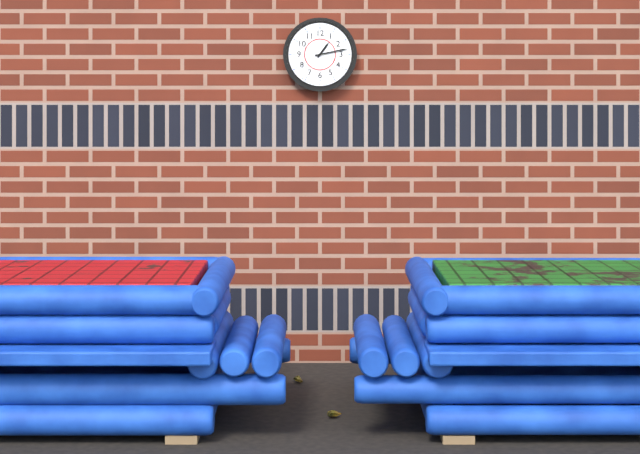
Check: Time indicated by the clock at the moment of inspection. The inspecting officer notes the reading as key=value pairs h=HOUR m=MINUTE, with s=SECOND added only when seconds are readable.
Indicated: h=1 m=13
